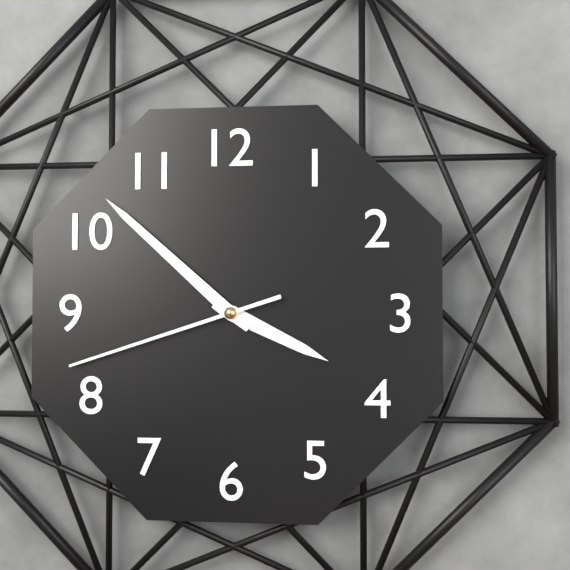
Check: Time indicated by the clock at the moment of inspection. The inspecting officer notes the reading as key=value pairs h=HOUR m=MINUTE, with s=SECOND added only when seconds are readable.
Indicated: h=3 m=52 s=42
